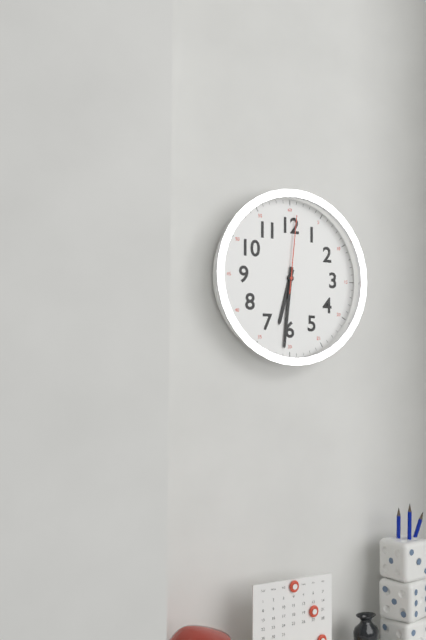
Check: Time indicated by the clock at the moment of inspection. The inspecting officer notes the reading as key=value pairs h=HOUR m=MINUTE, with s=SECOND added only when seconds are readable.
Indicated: h=6 m=31 s=1
